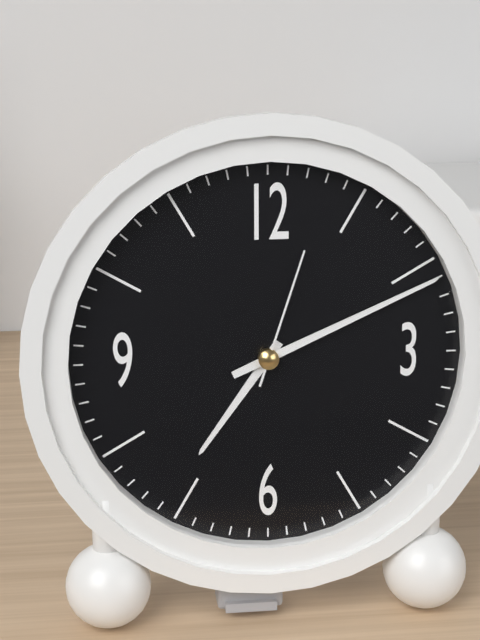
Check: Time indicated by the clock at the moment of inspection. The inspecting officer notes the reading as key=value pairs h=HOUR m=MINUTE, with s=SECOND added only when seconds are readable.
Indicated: h=7 m=11 s=3
